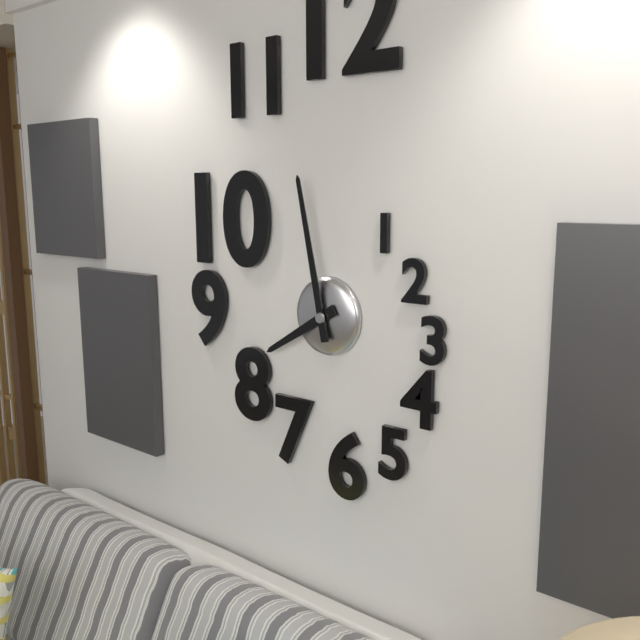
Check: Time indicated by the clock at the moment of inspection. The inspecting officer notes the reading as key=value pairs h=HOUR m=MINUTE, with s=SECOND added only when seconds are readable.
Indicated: h=7 m=58
